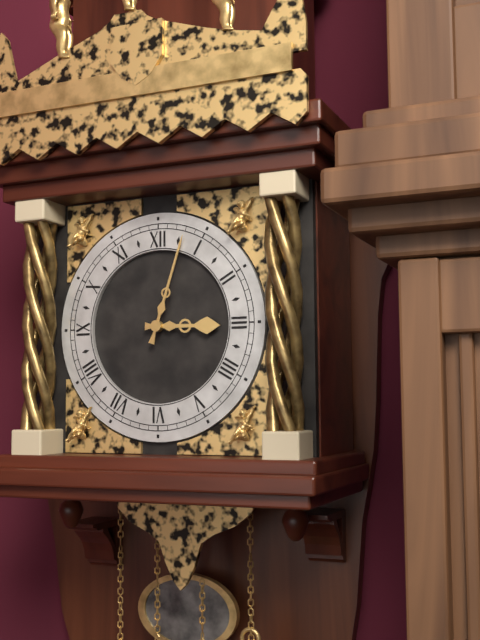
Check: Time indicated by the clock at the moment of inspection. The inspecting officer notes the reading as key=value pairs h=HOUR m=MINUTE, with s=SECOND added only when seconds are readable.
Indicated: h=3 m=3
